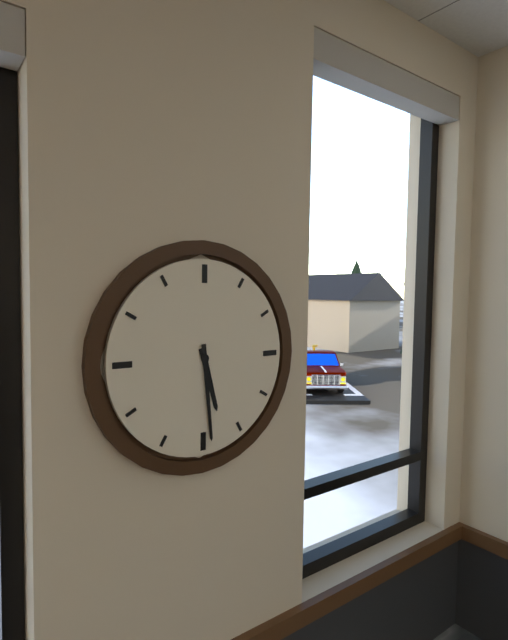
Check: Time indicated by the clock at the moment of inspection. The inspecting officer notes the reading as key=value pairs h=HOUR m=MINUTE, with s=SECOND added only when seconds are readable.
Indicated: h=5 m=29
